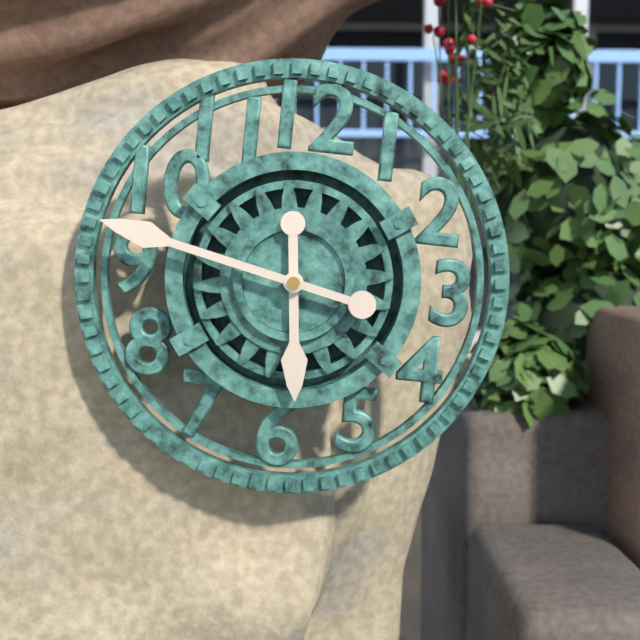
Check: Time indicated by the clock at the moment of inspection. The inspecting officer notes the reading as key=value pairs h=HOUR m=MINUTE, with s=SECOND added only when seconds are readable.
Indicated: h=5 m=47
